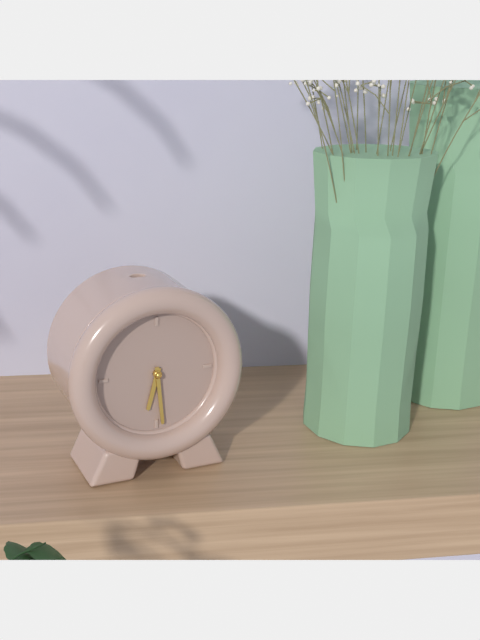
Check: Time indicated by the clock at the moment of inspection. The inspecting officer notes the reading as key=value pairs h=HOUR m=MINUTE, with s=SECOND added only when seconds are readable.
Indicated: h=6 m=29
